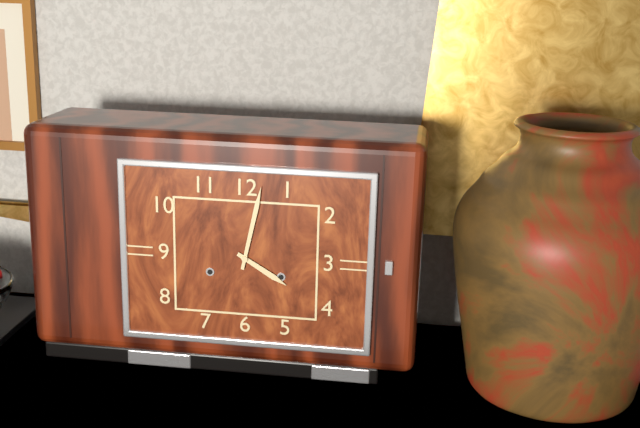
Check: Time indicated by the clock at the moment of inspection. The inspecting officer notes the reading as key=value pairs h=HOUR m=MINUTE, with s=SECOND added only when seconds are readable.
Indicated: h=4 m=2
